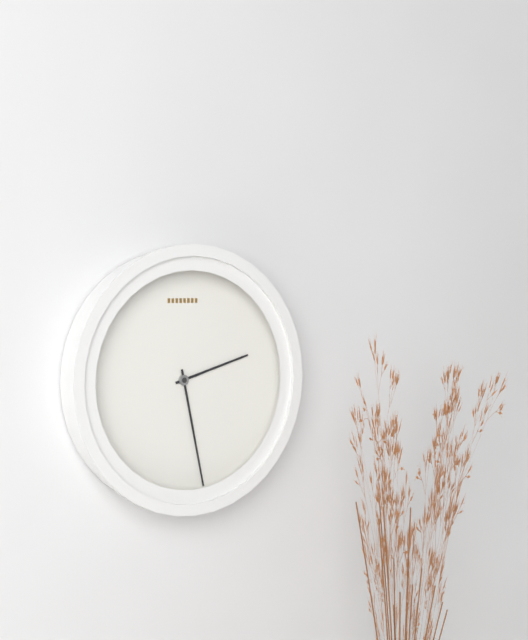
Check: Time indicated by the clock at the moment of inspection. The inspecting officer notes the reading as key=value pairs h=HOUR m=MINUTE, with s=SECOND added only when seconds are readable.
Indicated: h=2 m=28
